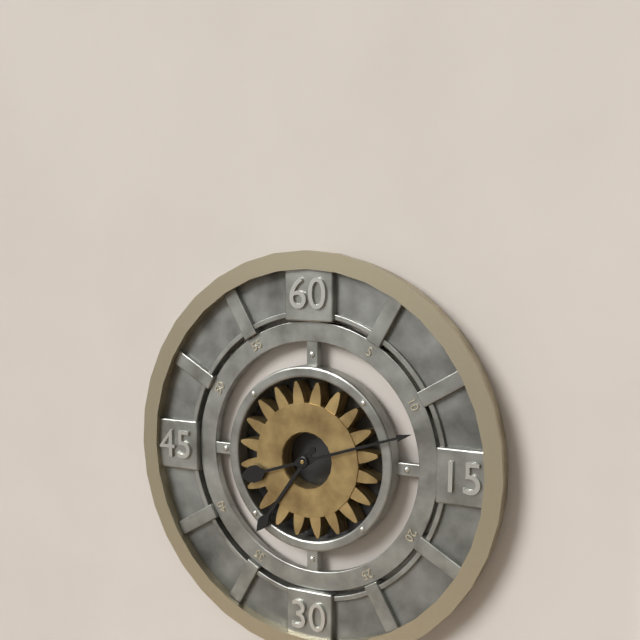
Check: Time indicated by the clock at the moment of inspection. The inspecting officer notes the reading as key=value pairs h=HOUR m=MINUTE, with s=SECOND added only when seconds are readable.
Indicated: h=7 m=12
